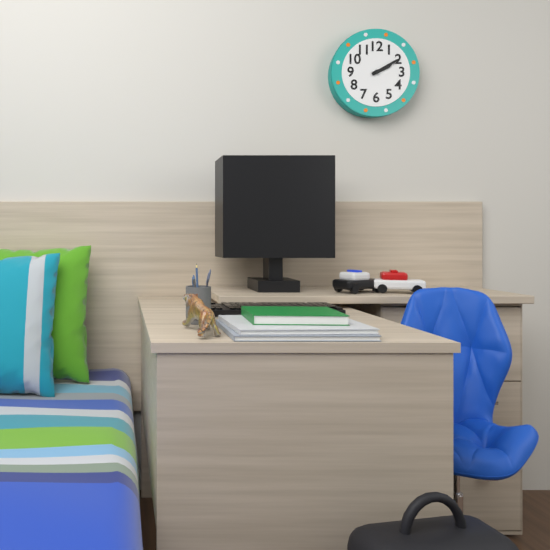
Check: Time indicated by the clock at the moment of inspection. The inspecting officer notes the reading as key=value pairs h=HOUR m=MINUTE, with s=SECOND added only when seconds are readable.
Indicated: h=2 m=10
